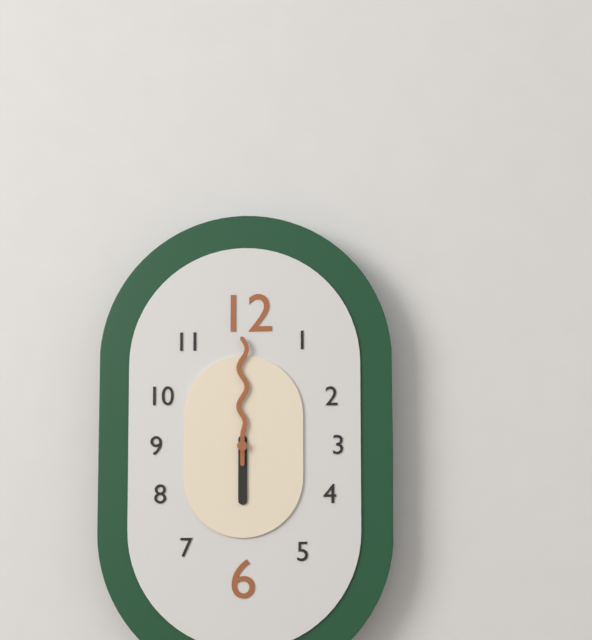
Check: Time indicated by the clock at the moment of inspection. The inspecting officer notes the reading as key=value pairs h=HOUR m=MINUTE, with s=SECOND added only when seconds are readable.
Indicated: h=6 m=0
